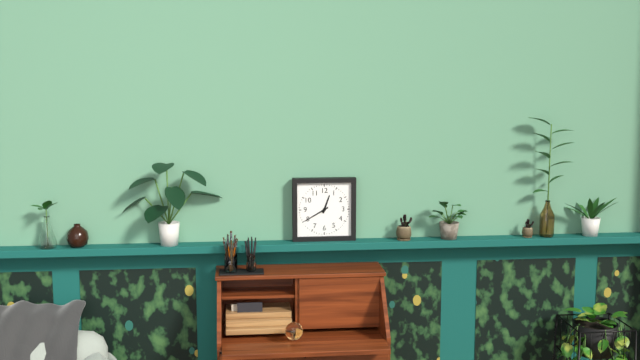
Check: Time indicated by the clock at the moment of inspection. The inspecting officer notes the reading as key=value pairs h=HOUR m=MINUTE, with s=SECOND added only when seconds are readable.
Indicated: h=12 m=40
